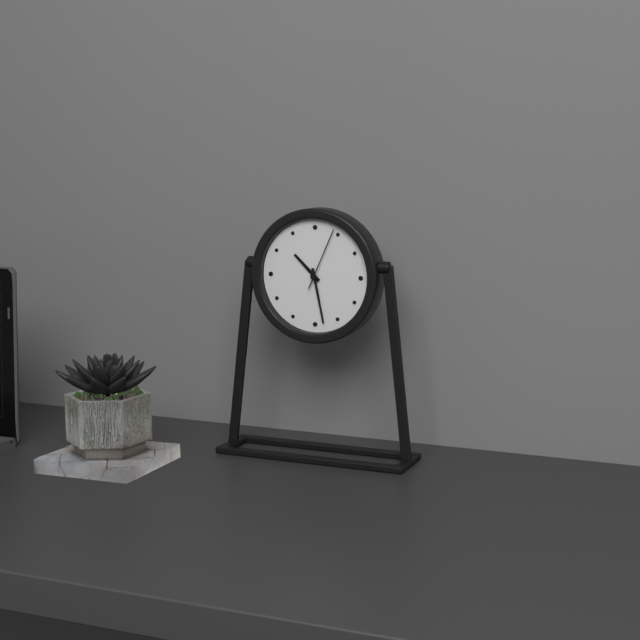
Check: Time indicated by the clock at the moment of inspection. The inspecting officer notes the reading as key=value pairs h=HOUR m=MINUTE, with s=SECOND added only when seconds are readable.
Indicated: h=10 m=28 s=4
